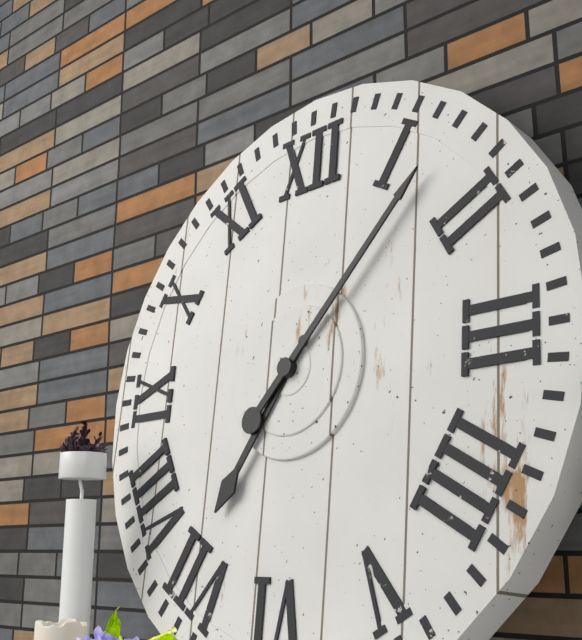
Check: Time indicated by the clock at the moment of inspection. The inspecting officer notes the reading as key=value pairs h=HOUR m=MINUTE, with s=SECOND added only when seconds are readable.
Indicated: h=7 m=7
